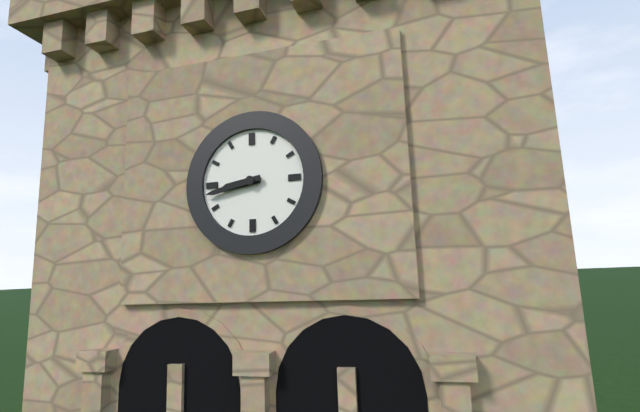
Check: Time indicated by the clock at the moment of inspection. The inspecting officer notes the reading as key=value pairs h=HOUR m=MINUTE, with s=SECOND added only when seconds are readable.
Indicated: h=8 m=43
